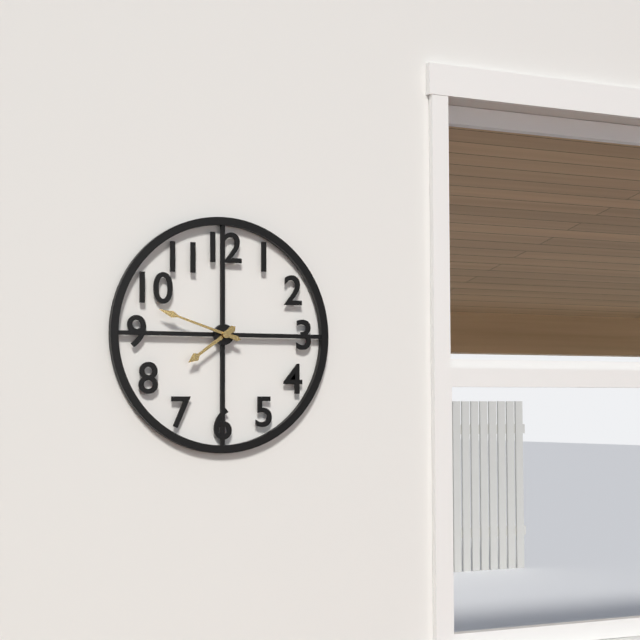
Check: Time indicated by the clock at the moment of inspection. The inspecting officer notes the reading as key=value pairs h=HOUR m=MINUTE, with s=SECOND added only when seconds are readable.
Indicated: h=7 m=48
